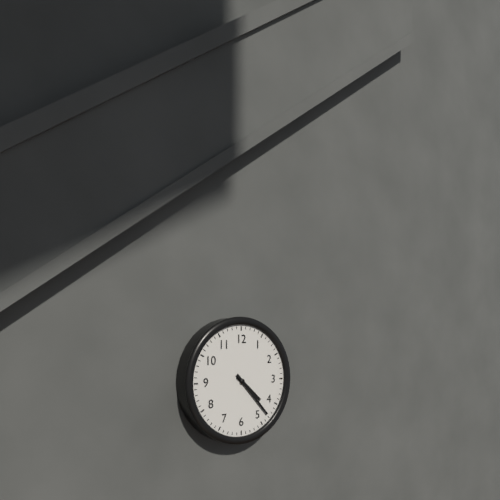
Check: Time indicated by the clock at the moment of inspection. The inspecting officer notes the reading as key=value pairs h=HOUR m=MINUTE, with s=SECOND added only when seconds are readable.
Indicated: h=4 m=23
